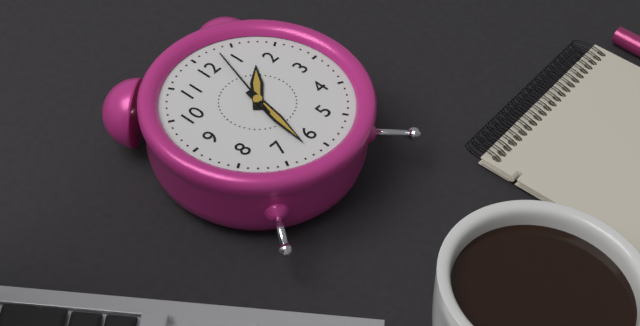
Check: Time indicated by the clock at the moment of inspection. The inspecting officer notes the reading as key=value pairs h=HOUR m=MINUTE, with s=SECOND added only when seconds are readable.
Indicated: h=1 m=32 s=3
